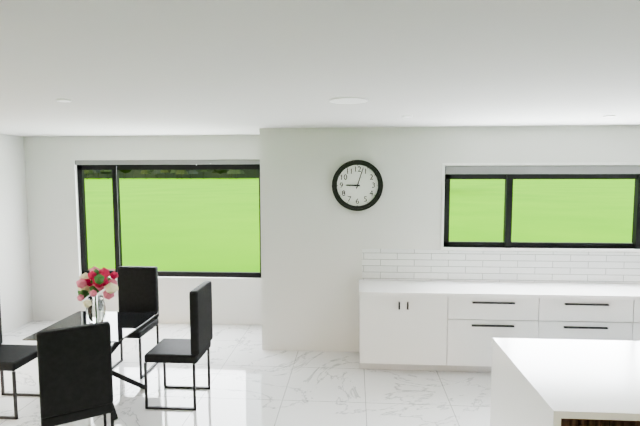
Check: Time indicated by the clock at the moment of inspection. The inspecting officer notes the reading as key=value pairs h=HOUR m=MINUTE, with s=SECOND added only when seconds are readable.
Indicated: h=9 m=3
